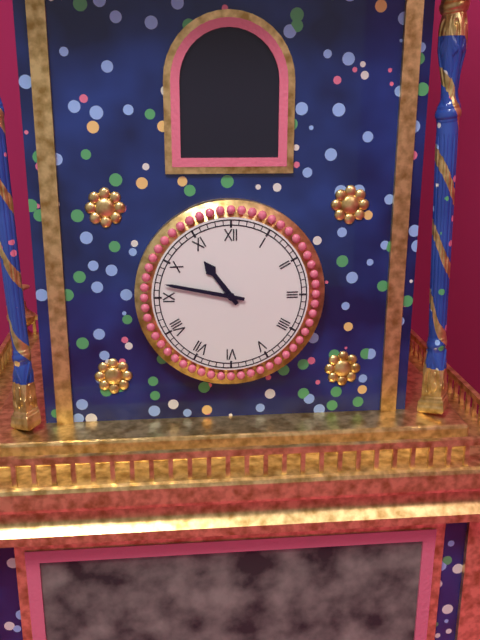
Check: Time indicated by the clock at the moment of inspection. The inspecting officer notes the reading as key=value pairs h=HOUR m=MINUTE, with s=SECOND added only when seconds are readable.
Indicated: h=10 m=47
